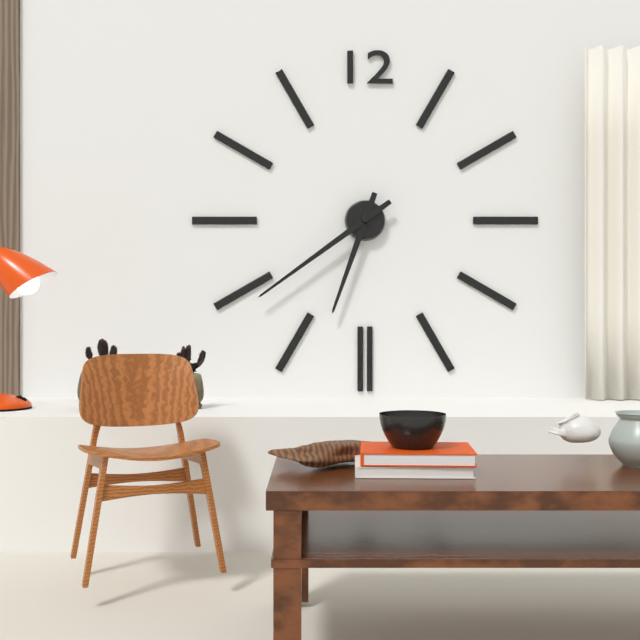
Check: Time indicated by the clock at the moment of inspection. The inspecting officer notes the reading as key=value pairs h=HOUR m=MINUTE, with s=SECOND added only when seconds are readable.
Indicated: h=6 m=39
